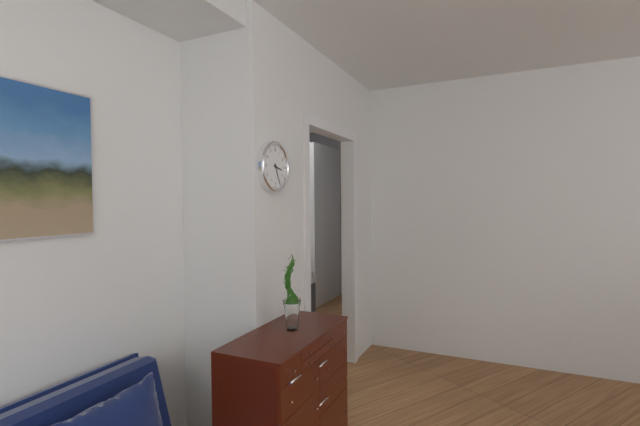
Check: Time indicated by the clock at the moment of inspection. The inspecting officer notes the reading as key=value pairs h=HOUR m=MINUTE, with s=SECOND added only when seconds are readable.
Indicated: h=3 m=26
